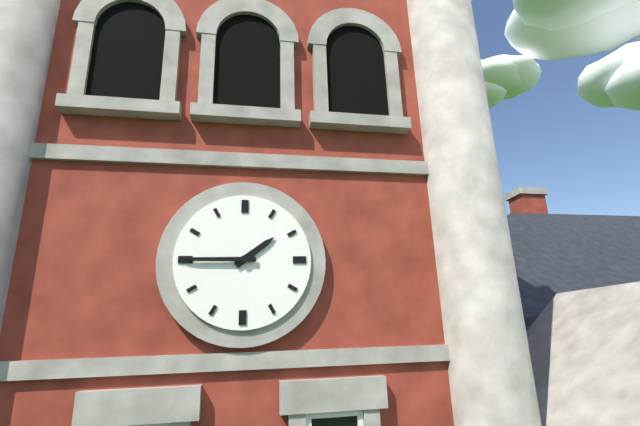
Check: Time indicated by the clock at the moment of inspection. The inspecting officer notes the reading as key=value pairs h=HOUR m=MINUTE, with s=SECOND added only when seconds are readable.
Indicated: h=1 m=45
